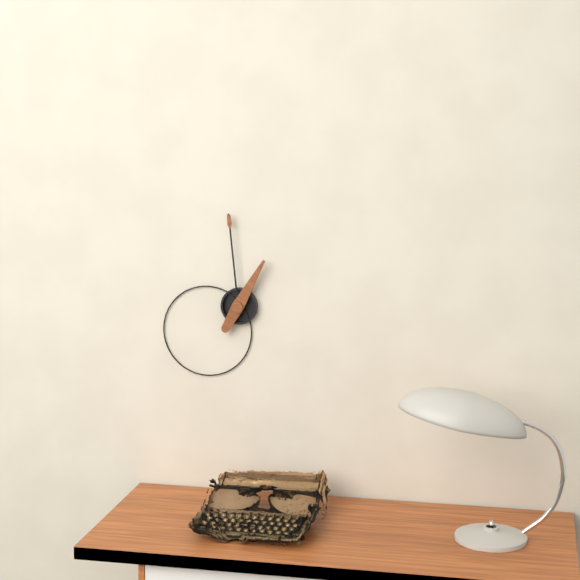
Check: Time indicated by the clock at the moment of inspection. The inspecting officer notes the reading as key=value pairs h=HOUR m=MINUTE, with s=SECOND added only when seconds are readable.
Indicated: h=12 m=59
